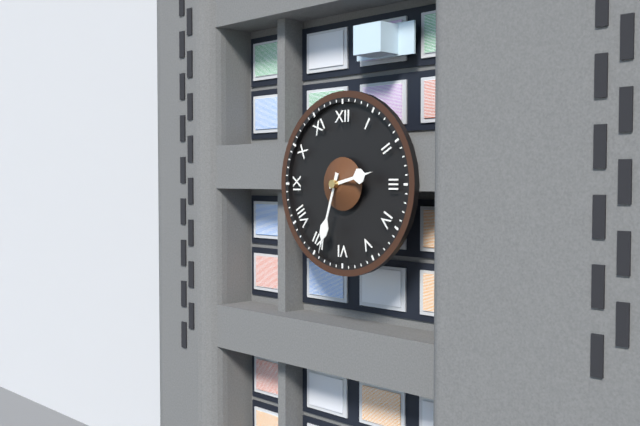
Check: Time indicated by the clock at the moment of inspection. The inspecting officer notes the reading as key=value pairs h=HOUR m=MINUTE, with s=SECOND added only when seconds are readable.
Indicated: h=2 m=33
